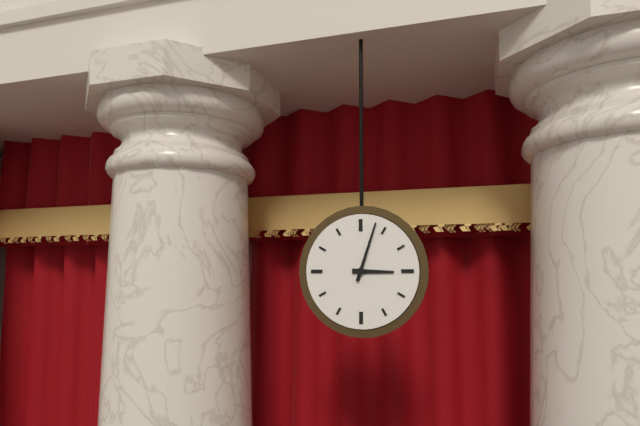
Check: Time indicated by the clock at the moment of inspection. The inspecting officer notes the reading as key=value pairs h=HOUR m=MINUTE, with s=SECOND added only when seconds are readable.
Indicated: h=3 m=3
